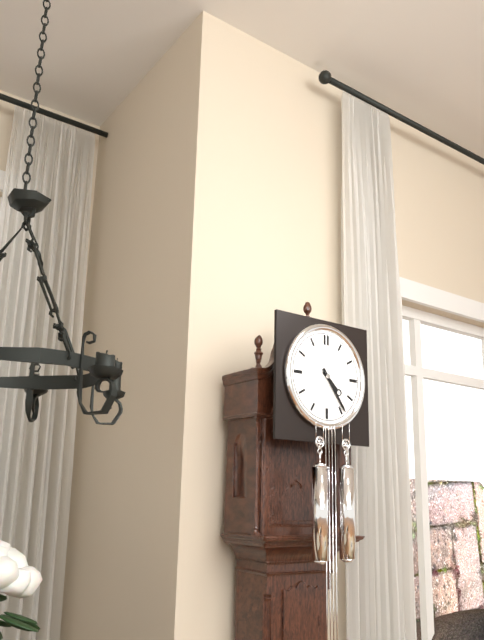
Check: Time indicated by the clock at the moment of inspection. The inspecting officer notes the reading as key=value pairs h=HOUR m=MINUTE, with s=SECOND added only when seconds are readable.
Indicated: h=4 m=24
